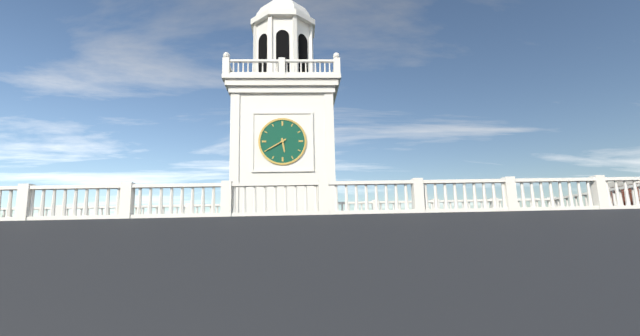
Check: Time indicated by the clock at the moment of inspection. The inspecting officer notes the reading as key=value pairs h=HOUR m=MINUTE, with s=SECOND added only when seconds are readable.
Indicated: h=5 m=40
